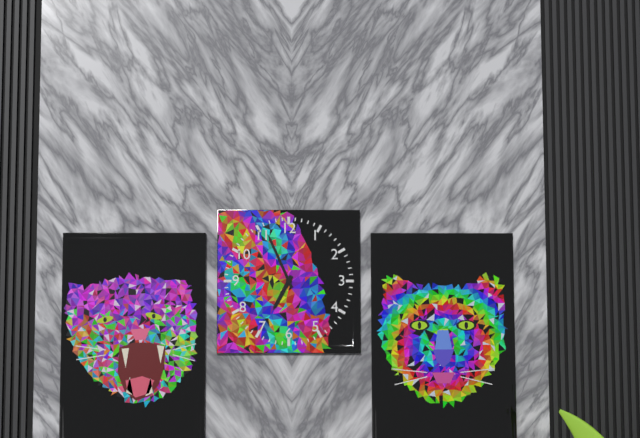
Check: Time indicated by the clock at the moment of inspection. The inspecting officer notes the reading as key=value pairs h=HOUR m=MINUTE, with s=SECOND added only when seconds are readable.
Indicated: h=6 m=56
